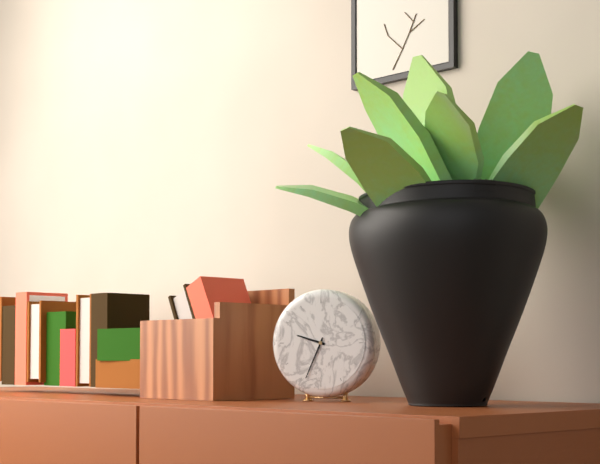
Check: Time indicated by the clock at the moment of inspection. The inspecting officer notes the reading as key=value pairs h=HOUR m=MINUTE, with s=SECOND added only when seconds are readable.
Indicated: h=9 m=34
